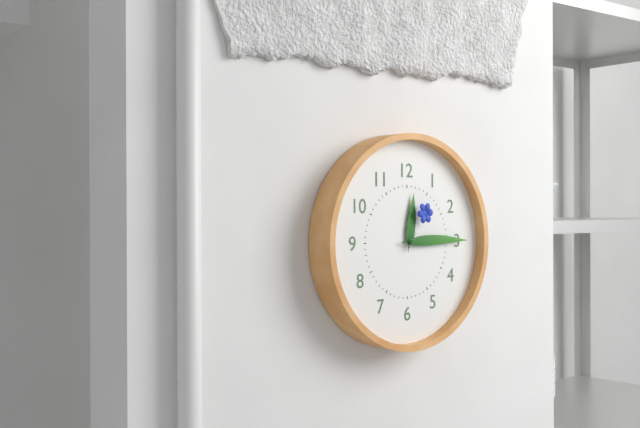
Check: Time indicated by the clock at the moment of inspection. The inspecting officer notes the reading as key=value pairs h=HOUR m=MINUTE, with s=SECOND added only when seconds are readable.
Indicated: h=12 m=15 s=5
